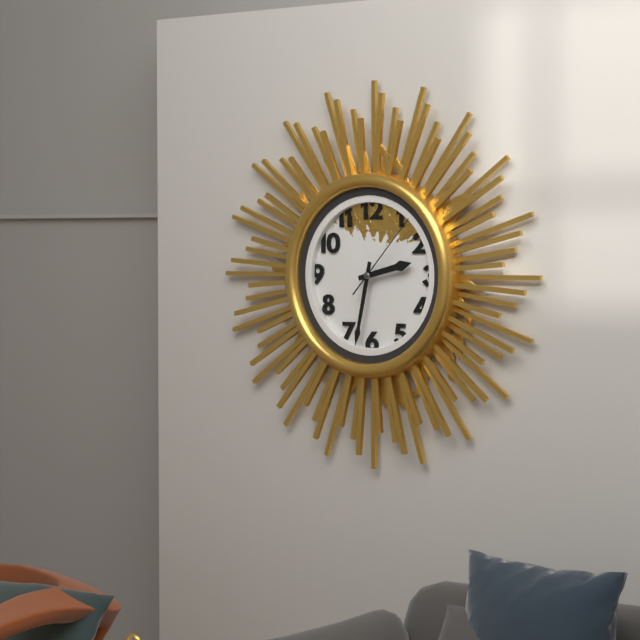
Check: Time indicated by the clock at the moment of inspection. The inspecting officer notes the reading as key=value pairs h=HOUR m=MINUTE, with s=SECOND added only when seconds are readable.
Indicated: h=2 m=32 s=7
